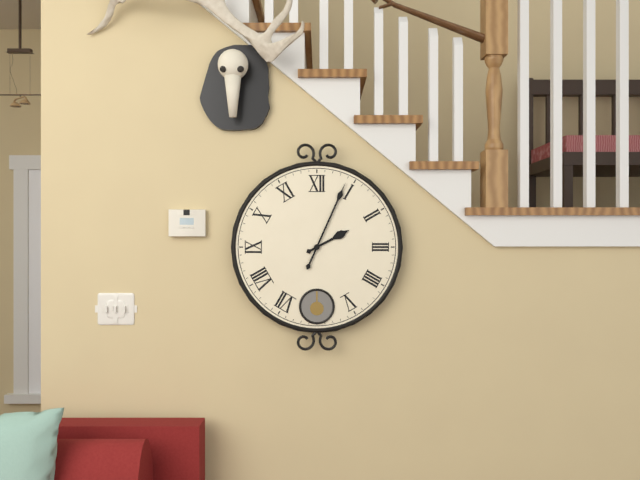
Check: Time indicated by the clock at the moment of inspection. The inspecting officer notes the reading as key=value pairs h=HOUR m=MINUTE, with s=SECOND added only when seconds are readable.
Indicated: h=2 m=4
